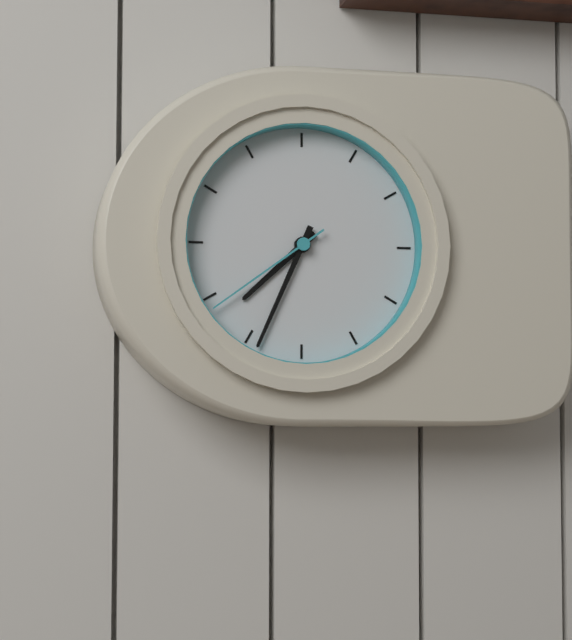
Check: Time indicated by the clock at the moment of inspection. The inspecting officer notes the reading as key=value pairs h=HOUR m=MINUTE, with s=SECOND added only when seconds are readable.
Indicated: h=7 m=34 s=39
